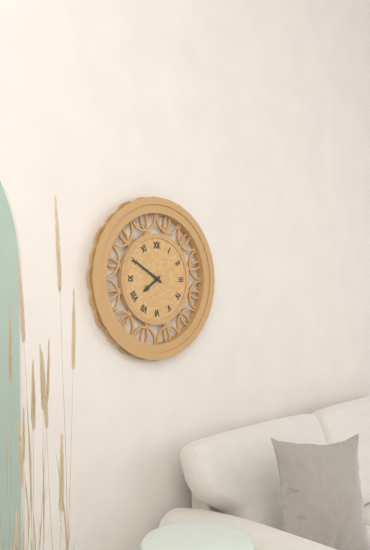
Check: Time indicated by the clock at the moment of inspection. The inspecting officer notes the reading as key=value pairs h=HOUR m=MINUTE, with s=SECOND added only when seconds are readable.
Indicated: h=7 m=50
